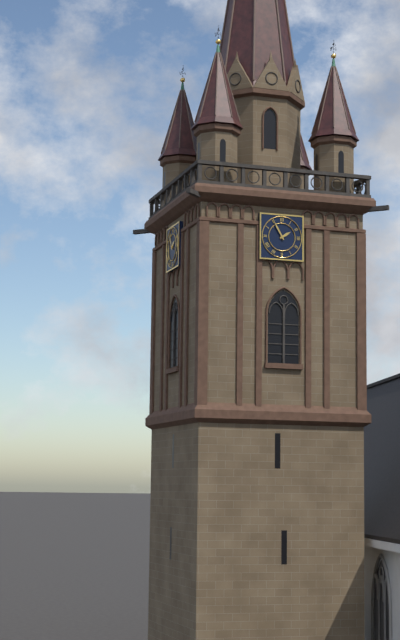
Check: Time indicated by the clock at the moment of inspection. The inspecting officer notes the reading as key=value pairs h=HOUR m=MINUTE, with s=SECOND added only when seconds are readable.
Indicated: h=1 m=55
